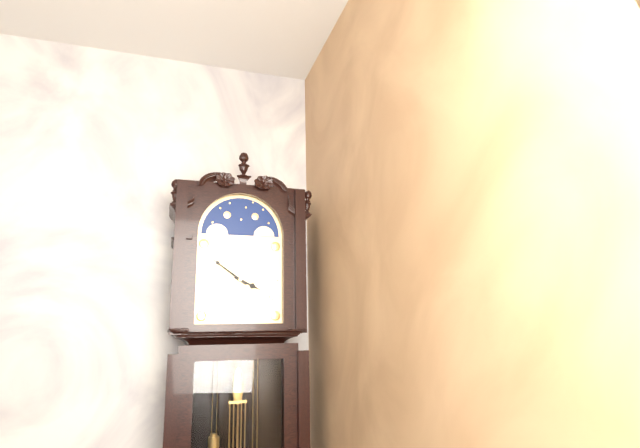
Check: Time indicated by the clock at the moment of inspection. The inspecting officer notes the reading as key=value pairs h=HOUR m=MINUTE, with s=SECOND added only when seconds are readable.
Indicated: h=3 m=51
